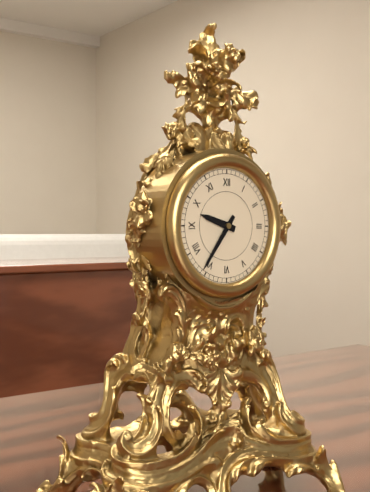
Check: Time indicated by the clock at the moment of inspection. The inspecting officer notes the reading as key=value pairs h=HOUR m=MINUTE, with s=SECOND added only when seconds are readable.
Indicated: h=9 m=36
